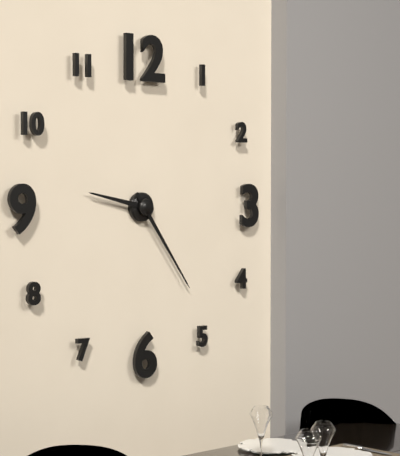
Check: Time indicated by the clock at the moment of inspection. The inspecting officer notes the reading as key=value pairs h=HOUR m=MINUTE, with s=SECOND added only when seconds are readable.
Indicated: h=9 m=24
